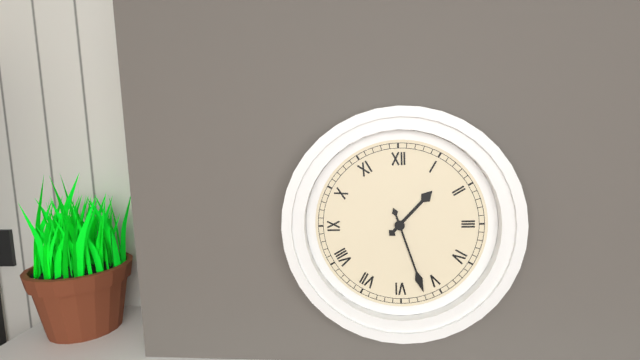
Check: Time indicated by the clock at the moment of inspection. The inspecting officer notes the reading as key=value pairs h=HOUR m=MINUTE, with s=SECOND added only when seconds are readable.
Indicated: h=1 m=27
